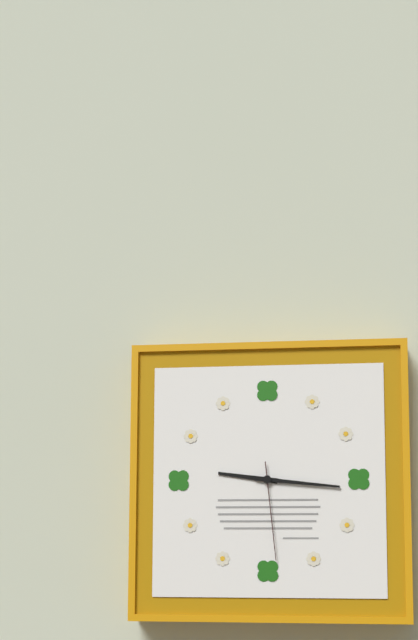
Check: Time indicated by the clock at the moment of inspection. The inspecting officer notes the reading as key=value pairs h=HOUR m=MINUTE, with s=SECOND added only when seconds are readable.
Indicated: h=9 m=16 s=29
